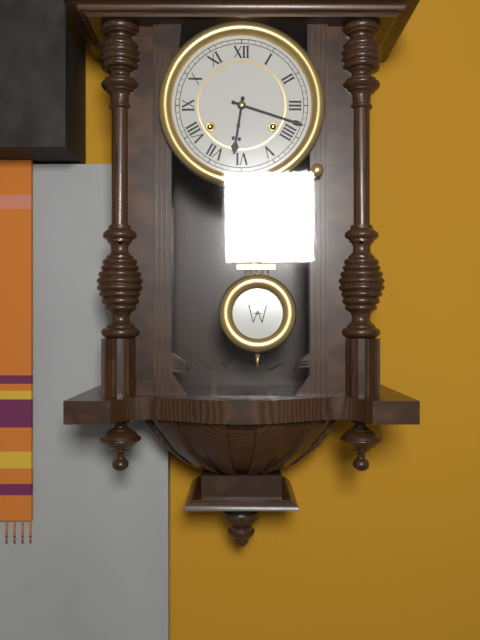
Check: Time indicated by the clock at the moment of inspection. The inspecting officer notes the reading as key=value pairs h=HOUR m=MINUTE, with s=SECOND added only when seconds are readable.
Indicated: h=6 m=18
